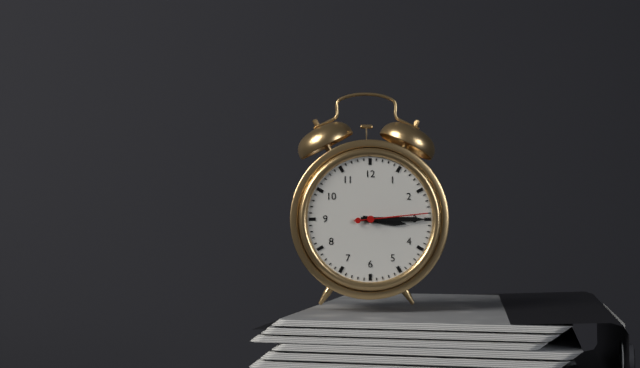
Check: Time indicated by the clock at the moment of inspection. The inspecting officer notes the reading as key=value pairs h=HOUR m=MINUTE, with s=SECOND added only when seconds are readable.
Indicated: h=3 m=15 s=14
